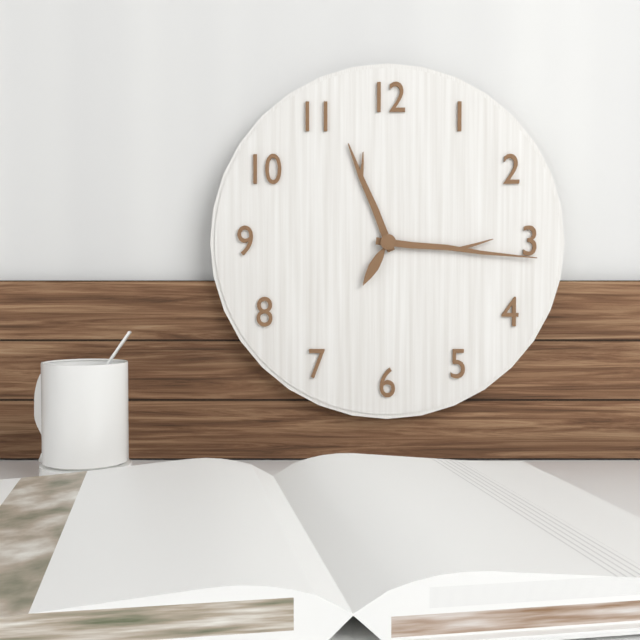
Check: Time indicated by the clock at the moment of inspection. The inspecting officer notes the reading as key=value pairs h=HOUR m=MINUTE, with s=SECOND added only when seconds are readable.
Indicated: h=11 m=16 s=35
